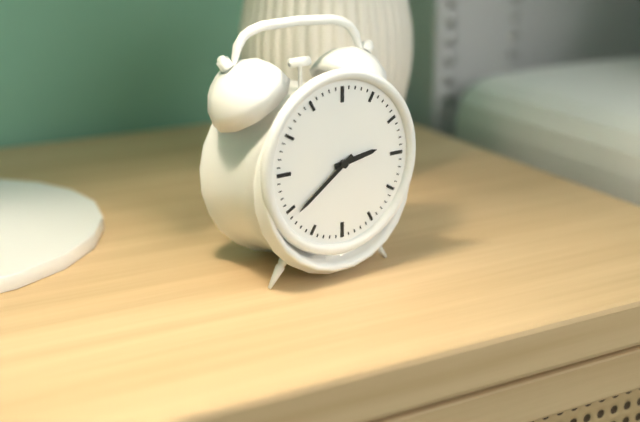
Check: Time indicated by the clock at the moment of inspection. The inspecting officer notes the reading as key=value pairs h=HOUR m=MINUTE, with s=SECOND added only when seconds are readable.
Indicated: h=2 m=39
